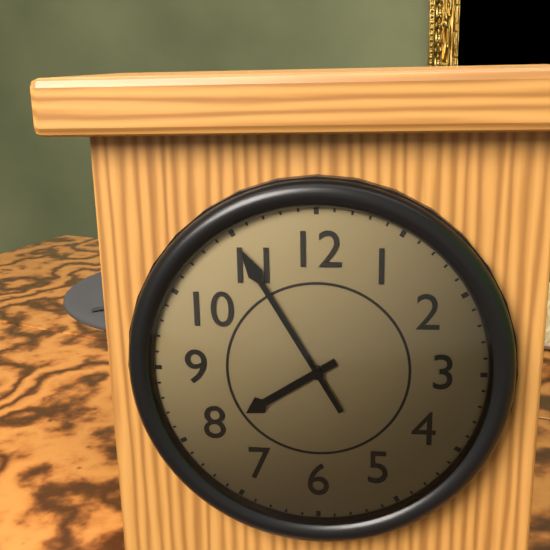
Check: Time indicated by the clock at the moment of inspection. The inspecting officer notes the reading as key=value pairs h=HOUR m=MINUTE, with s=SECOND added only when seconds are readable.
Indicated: h=7 m=55
